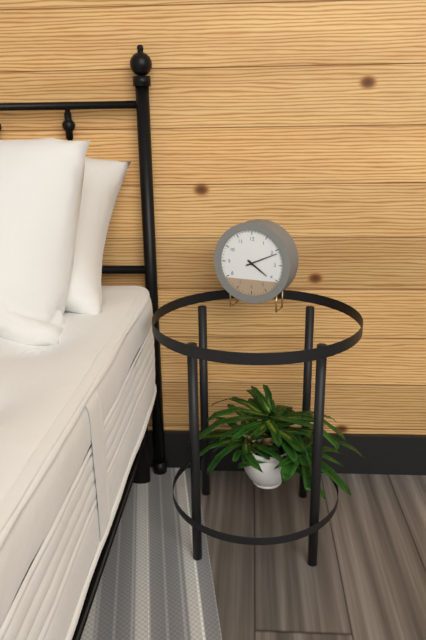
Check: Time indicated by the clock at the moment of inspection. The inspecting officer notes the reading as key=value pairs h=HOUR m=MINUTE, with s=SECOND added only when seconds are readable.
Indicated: h=4 m=11
